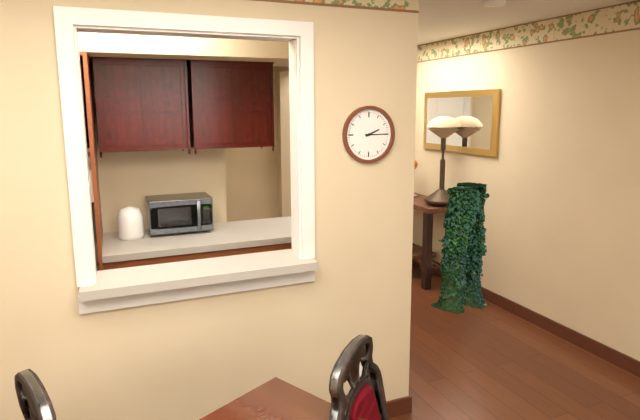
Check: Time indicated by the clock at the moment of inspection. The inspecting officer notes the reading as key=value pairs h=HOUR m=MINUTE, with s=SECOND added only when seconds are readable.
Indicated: h=2 m=15
